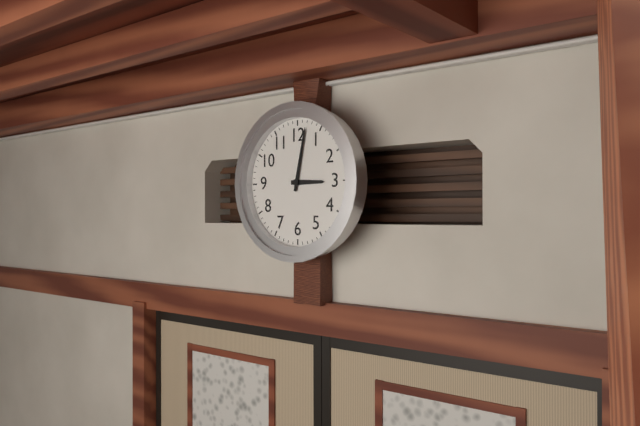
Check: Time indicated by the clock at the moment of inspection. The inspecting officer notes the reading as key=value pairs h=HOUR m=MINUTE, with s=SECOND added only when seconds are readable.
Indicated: h=3 m=2
